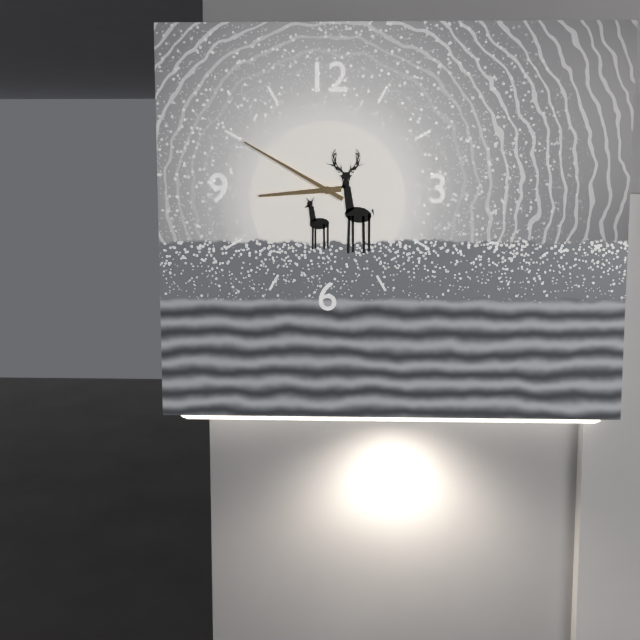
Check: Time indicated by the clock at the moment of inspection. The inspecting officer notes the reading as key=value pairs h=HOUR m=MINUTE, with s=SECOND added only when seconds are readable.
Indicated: h=8 m=50
